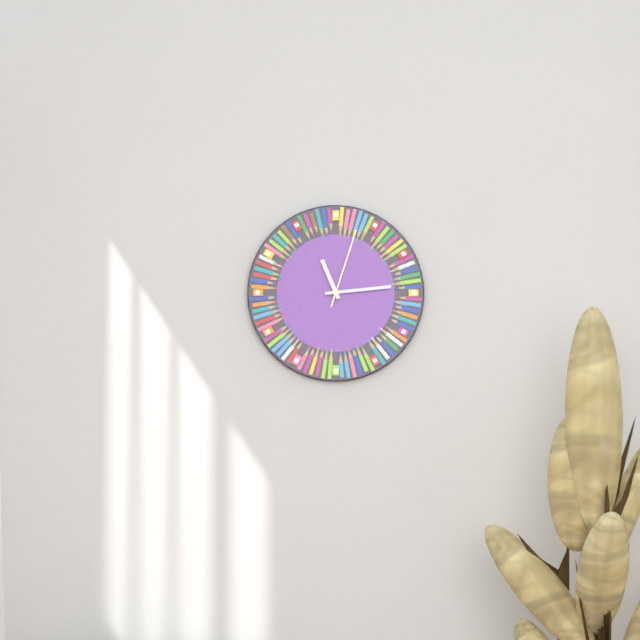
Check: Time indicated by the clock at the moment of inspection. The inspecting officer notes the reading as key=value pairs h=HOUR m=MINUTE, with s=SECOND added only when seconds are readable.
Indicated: h=11 m=14 s=3
